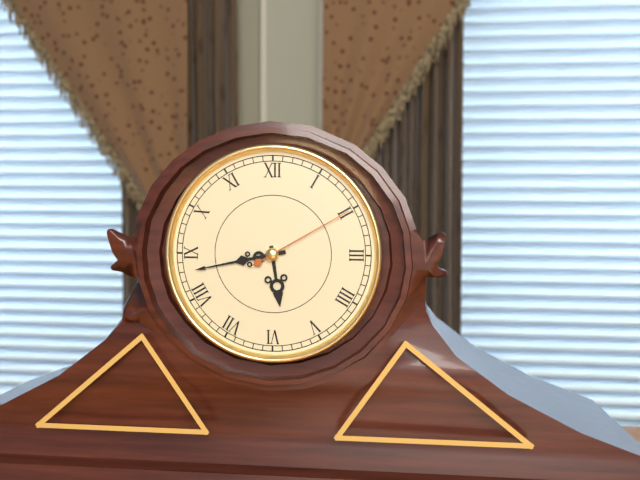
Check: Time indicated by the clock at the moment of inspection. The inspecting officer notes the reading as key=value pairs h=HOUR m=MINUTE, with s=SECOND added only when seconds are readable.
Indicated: h=5 m=43 s=10
